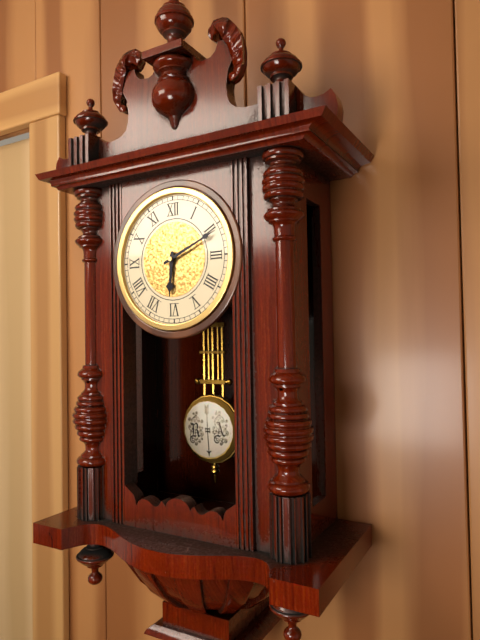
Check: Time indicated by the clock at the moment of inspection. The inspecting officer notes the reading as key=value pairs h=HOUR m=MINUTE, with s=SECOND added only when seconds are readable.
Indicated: h=6 m=11
